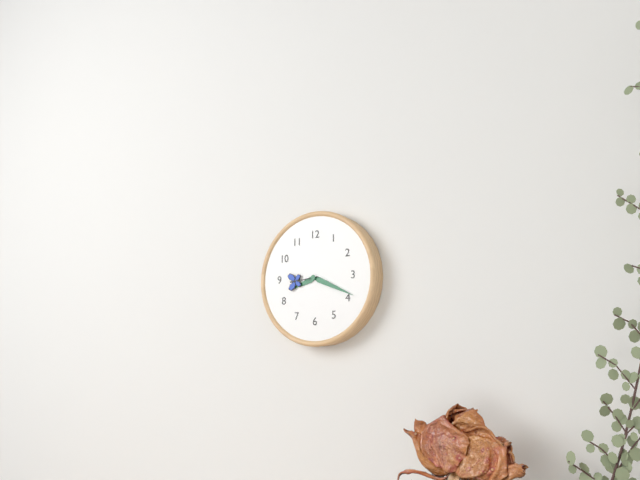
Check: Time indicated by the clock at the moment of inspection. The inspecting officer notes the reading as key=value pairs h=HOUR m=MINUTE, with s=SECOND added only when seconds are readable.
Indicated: h=8 m=19
